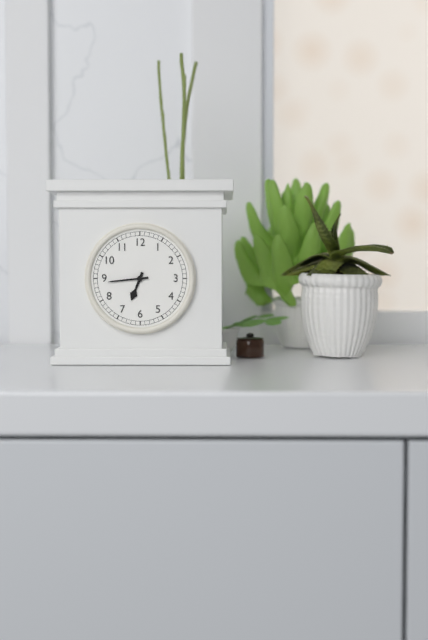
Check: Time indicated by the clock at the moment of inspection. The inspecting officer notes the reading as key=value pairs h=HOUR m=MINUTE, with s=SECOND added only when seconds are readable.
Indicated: h=6 m=44
